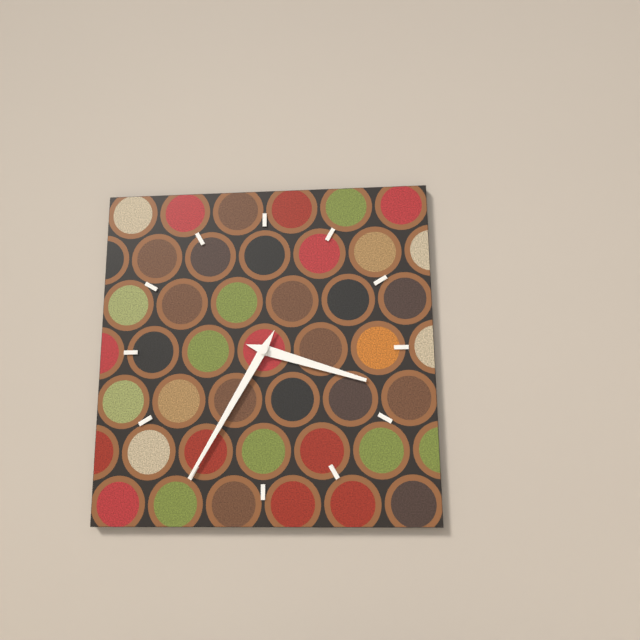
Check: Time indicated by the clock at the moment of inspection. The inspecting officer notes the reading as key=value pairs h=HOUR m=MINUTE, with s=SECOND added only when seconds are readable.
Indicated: h=3 m=35
